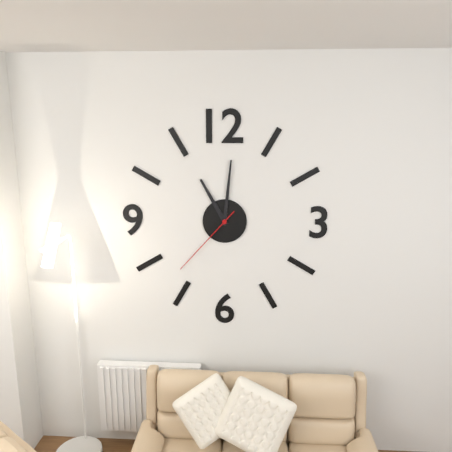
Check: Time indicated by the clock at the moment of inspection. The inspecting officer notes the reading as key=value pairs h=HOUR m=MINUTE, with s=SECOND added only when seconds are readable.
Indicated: h=11 m=1 s=37
